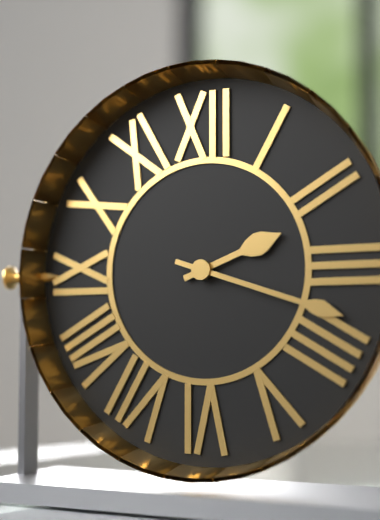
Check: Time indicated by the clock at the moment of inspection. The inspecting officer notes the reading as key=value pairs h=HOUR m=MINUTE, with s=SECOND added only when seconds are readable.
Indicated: h=2 m=18
